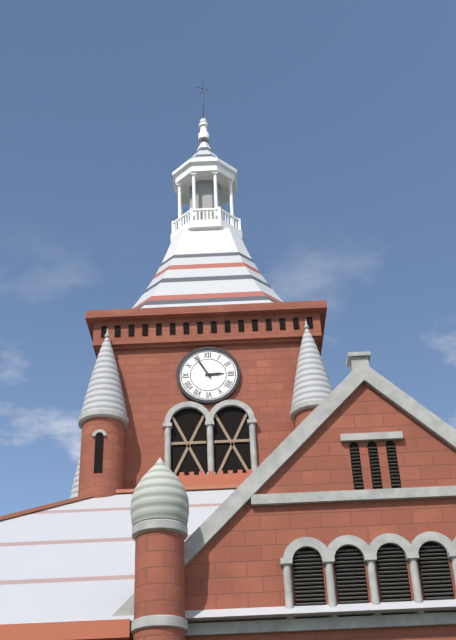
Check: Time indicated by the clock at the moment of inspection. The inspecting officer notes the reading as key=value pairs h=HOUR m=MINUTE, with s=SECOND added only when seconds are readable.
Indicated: h=2 m=55
